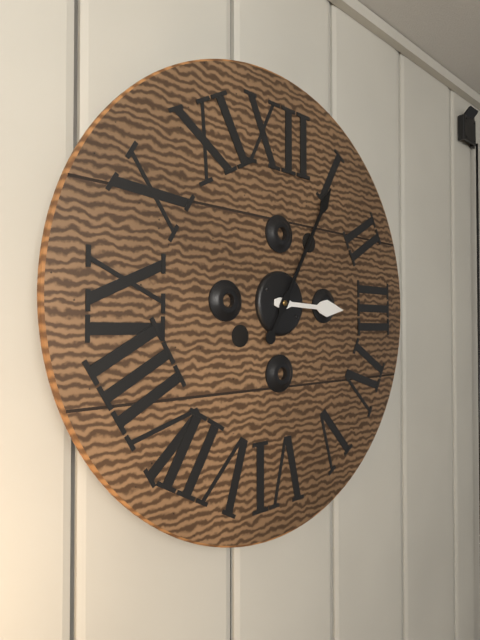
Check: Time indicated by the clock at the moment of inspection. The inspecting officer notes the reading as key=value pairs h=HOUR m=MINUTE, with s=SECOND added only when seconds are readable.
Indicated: h=3 m=5
